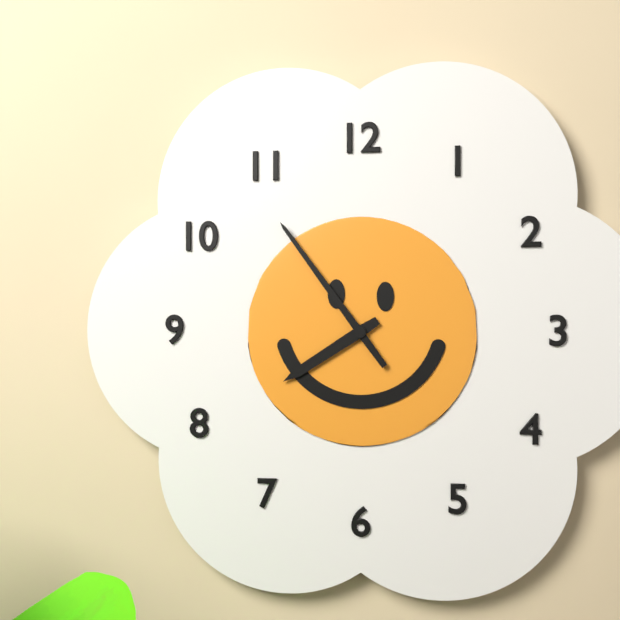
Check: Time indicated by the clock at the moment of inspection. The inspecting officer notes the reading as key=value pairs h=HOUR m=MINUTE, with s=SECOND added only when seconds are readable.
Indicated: h=7 m=54
